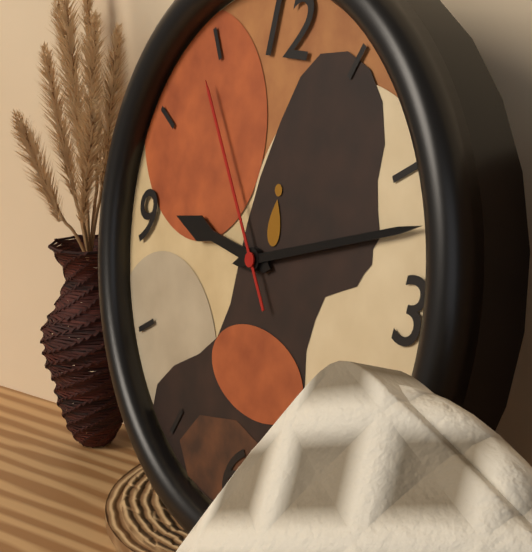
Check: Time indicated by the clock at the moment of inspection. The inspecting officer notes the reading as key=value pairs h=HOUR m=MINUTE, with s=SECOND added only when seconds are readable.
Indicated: h=9 m=12 s=54
